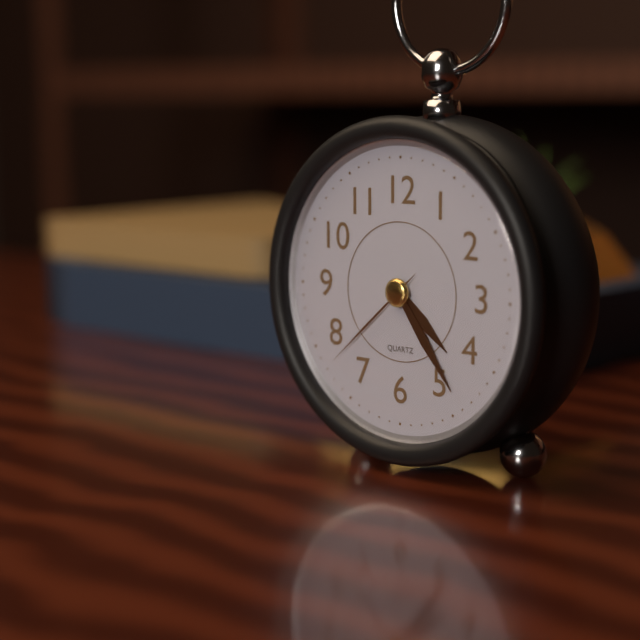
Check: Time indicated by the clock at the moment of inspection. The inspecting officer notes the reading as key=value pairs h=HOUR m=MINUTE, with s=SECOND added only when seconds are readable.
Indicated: h=4 m=24 s=38
